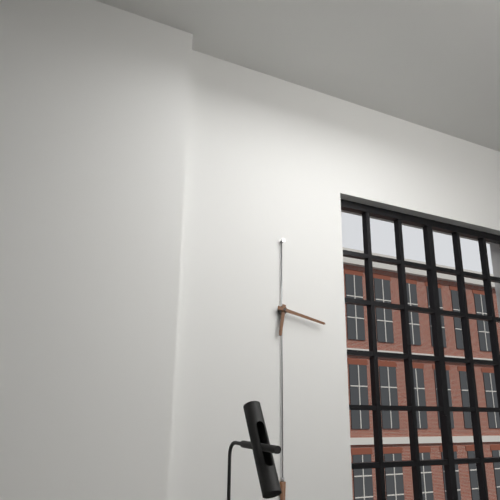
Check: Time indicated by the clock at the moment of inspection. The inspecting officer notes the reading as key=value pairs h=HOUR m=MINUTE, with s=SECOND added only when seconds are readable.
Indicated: h=6 m=17
